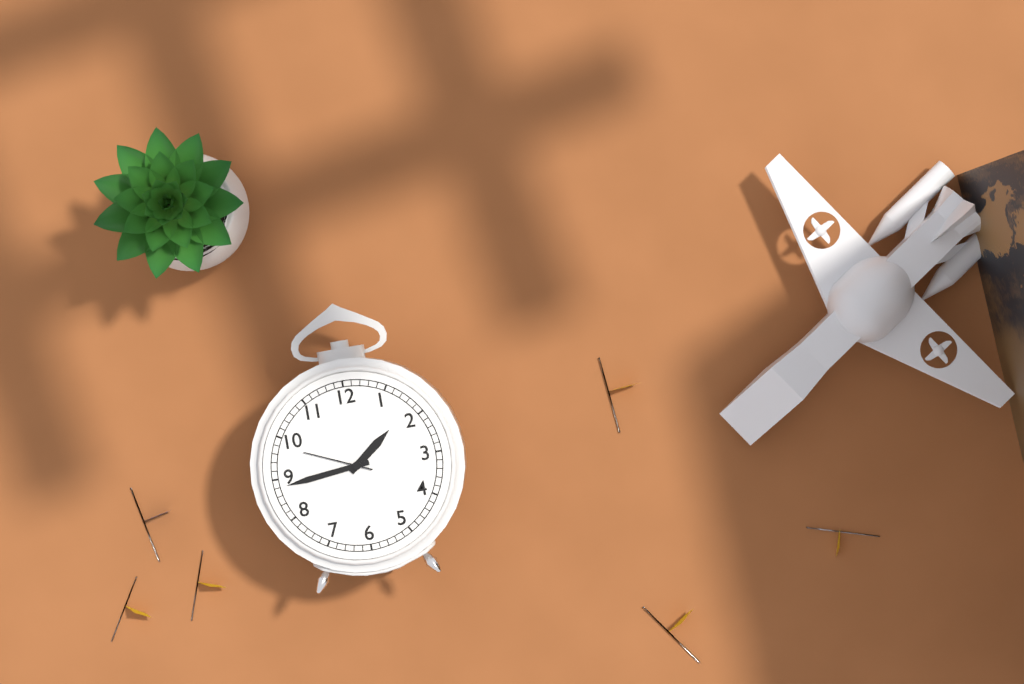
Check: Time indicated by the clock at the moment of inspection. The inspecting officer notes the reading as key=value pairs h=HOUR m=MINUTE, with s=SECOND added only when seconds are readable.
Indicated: h=1 m=44 s=49
